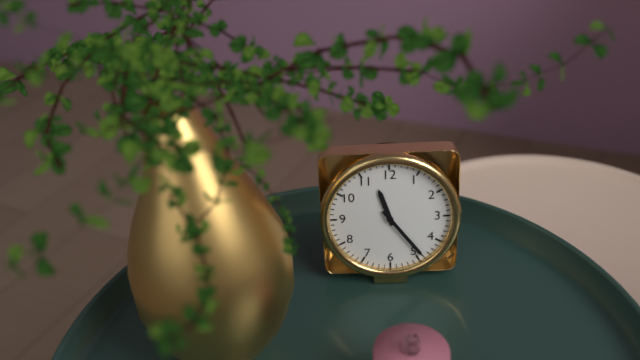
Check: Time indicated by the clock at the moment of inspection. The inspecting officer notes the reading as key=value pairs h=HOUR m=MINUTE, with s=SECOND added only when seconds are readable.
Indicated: h=11 m=24
